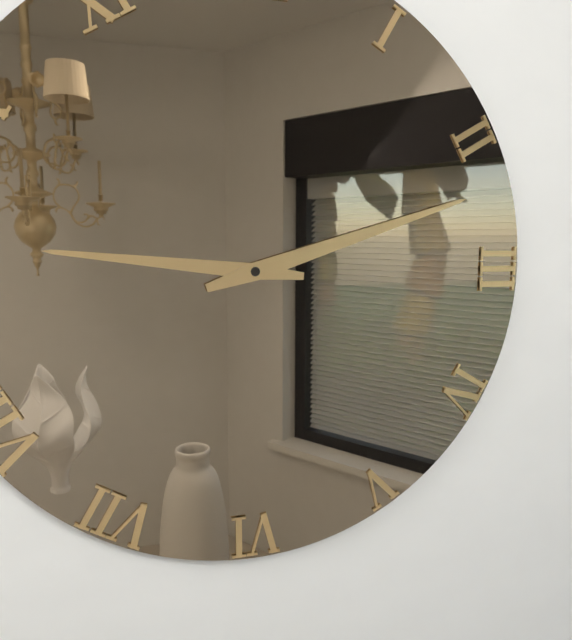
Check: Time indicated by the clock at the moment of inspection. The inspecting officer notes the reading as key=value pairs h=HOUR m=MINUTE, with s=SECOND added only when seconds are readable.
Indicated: h=9 m=12
